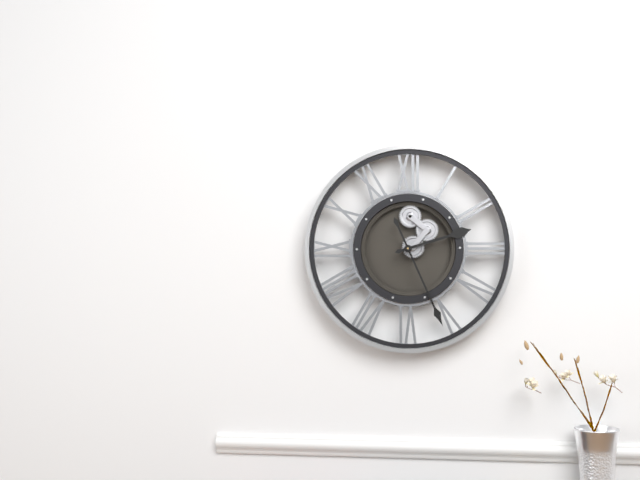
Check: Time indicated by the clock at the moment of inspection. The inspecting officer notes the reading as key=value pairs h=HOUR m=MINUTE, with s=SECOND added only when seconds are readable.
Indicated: h=2 m=26
